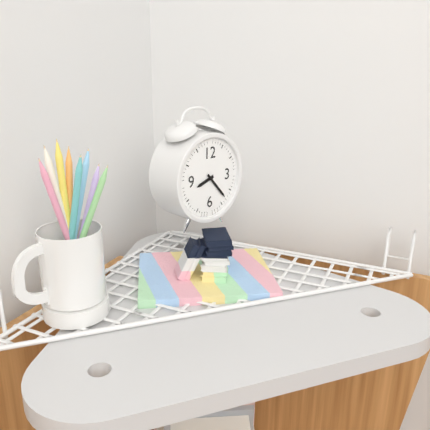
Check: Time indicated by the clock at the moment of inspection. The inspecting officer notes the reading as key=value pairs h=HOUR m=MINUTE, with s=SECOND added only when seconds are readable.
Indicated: h=8 m=23
